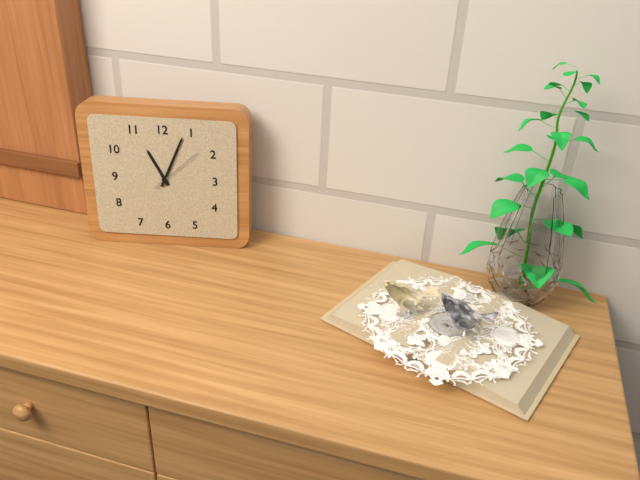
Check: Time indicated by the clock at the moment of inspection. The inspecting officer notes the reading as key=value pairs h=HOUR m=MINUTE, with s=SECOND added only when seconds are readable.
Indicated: h=11 m=4 s=8
